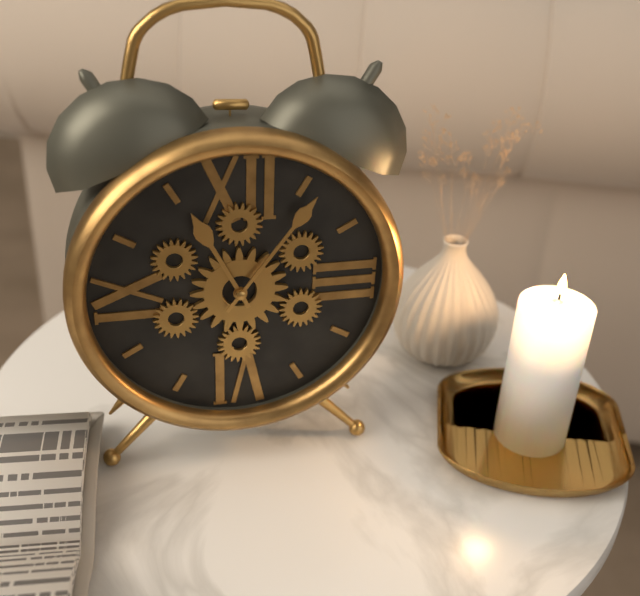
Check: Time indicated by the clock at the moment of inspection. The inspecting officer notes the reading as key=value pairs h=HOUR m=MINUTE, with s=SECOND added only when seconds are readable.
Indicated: h=11 m=6
